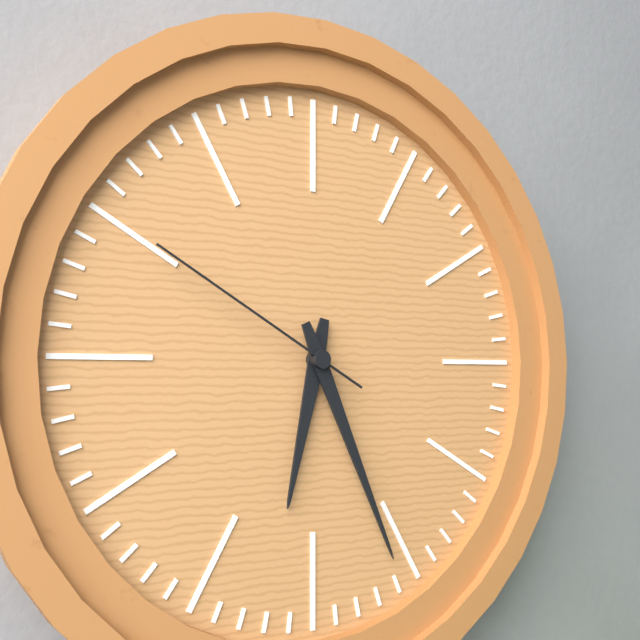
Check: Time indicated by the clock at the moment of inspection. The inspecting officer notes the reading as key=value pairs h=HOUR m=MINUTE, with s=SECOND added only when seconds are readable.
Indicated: h=6 m=26 s=50
